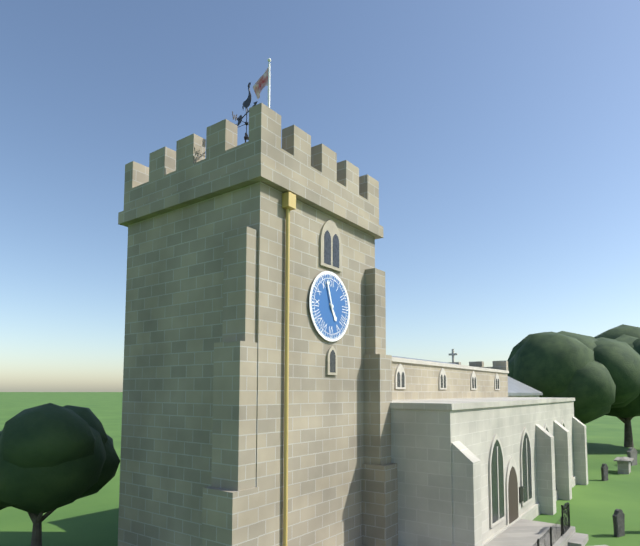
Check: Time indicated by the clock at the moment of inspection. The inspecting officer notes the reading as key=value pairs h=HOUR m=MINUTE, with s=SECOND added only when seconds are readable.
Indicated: h=4 m=57
